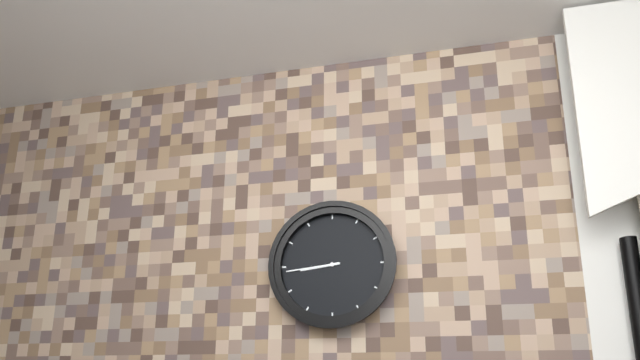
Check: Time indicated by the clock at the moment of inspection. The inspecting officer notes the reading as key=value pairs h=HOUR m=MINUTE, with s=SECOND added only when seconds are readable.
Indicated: h=8 m=44
